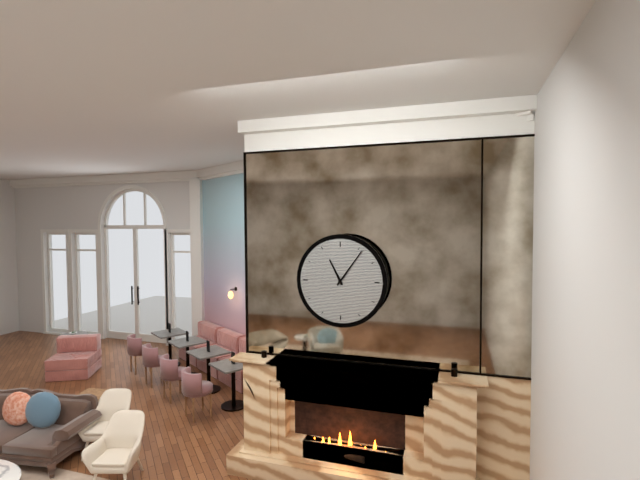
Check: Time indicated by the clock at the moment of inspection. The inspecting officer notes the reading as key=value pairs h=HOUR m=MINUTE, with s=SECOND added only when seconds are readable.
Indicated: h=11 m=6
